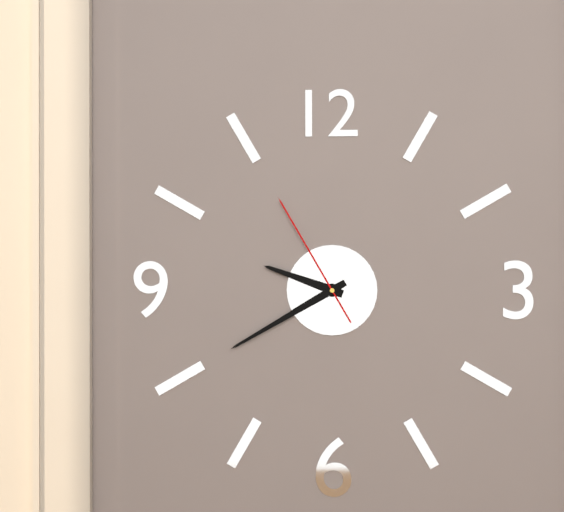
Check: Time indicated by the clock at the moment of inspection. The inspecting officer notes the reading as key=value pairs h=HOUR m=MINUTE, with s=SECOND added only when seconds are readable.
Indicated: h=9 m=40 s=55
